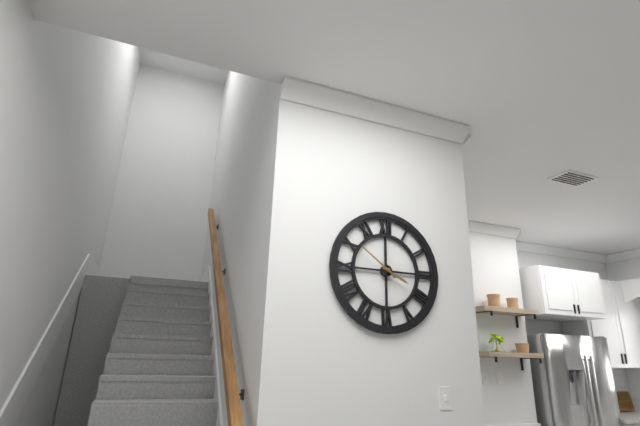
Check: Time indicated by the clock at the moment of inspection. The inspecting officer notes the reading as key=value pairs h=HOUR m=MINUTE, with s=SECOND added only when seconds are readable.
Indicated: h=3 m=51
